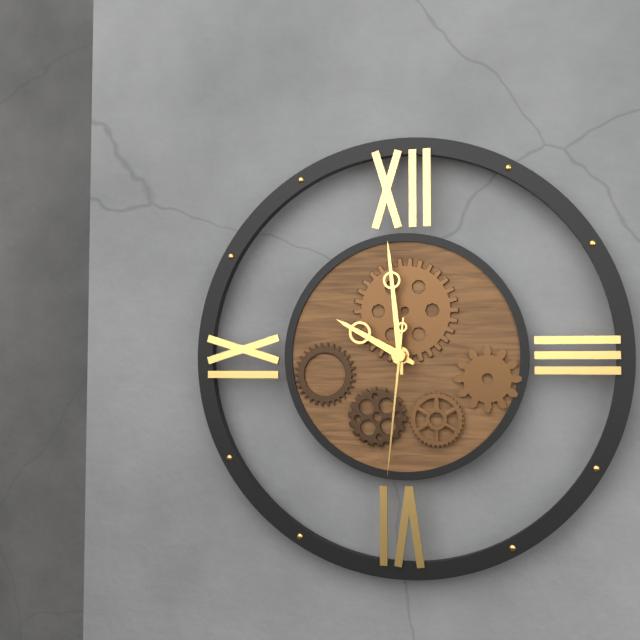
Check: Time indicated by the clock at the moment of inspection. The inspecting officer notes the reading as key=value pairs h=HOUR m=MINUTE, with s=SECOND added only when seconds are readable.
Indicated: h=9 m=59 s=31
